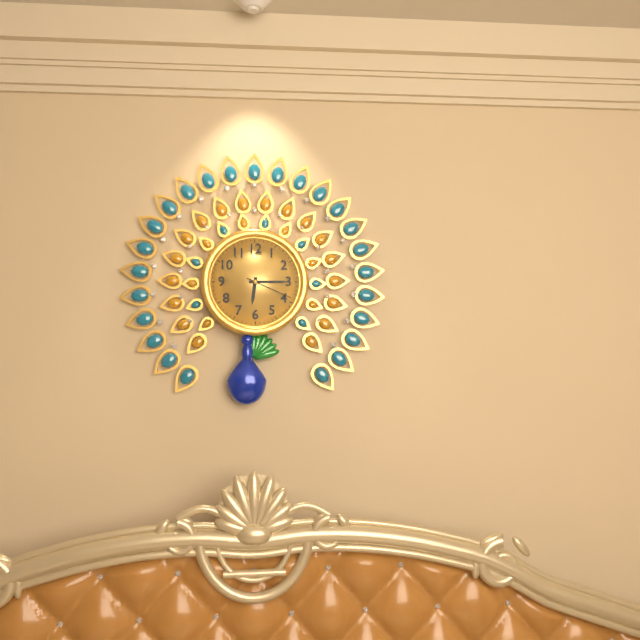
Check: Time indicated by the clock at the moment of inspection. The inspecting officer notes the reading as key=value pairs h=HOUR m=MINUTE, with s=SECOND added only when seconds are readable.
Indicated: h=6 m=15
